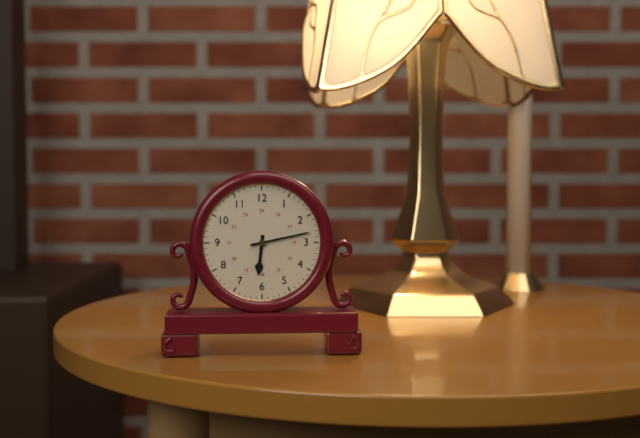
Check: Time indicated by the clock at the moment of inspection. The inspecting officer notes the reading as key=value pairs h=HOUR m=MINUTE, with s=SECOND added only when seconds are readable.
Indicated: h=6 m=13
